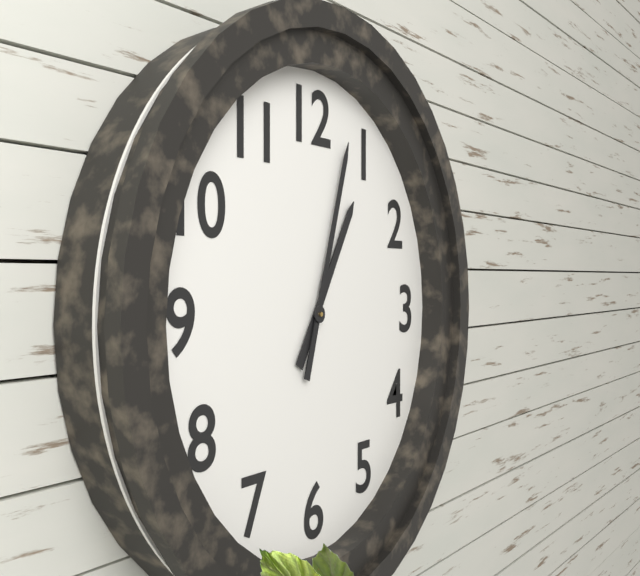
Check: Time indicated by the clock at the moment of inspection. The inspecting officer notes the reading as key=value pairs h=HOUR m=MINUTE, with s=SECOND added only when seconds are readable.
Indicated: h=1 m=3
